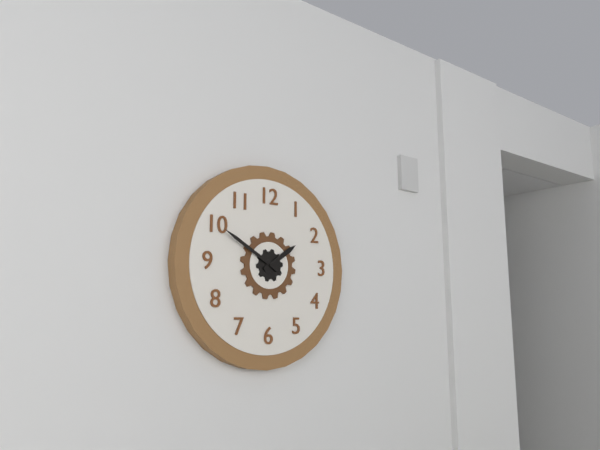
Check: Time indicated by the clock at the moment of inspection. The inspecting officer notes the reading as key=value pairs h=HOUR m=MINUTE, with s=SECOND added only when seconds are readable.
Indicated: h=1 m=50
